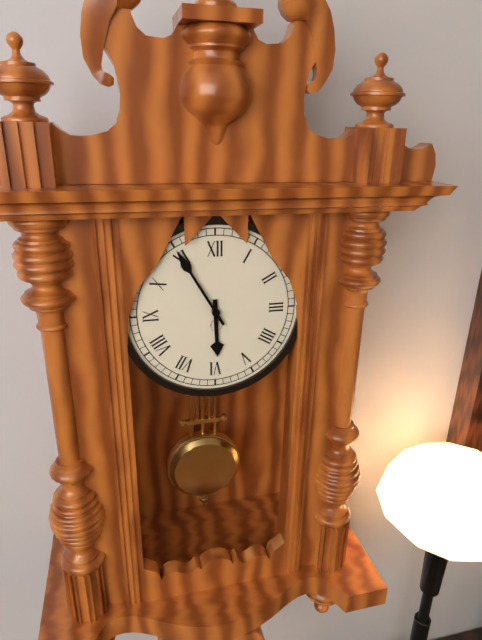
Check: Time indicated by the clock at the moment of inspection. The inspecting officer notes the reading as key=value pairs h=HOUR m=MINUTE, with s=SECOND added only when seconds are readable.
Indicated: h=5 m=55
